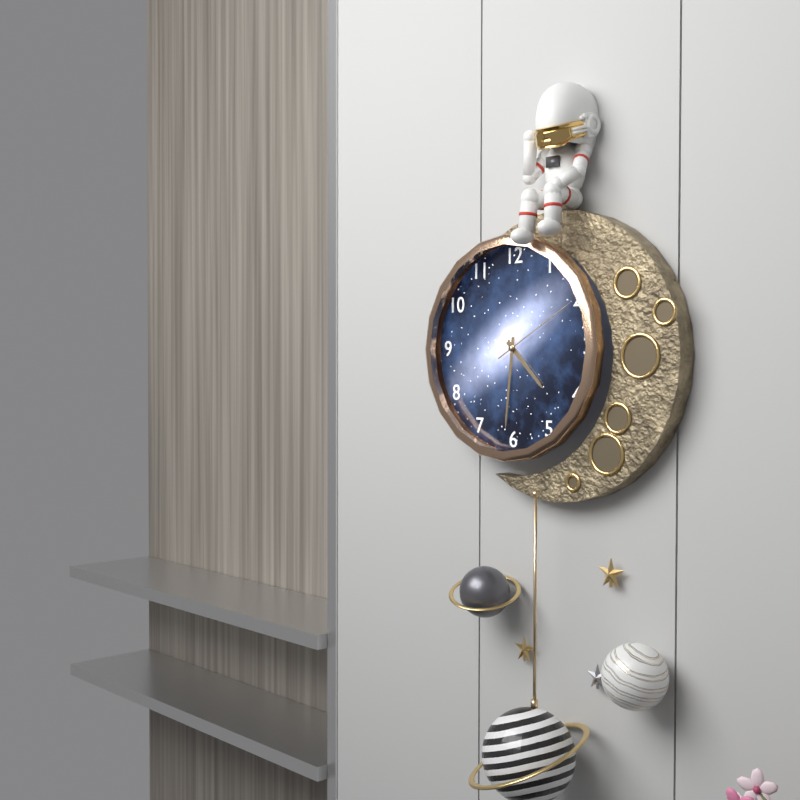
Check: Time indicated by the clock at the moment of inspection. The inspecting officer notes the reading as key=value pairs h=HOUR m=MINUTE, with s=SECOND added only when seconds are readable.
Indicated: h=4 m=31 s=10
